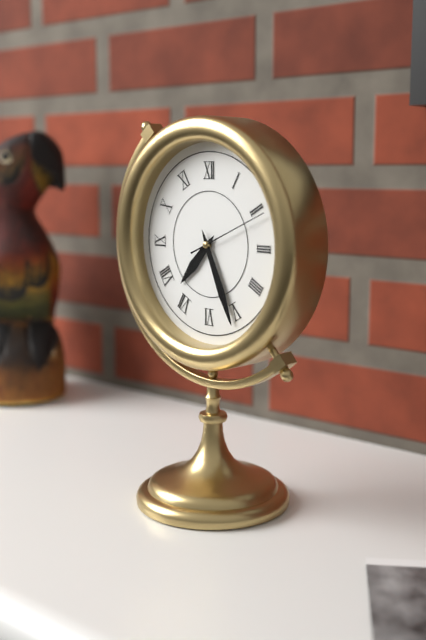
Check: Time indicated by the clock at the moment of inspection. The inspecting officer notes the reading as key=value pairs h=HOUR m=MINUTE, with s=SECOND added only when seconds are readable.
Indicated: h=7 m=26 s=11
